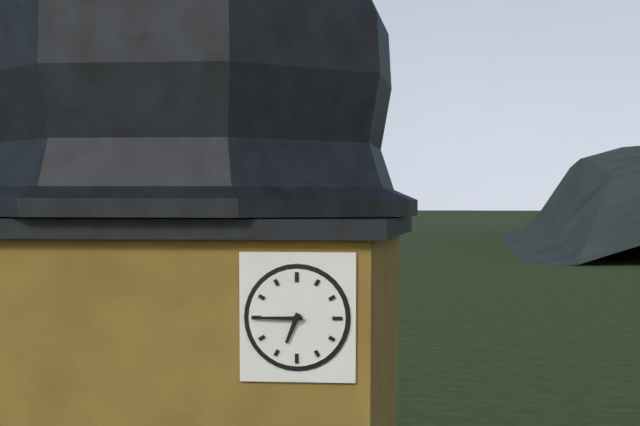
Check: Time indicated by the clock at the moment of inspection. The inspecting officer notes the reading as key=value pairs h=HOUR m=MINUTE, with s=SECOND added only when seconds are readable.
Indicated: h=6 m=45
